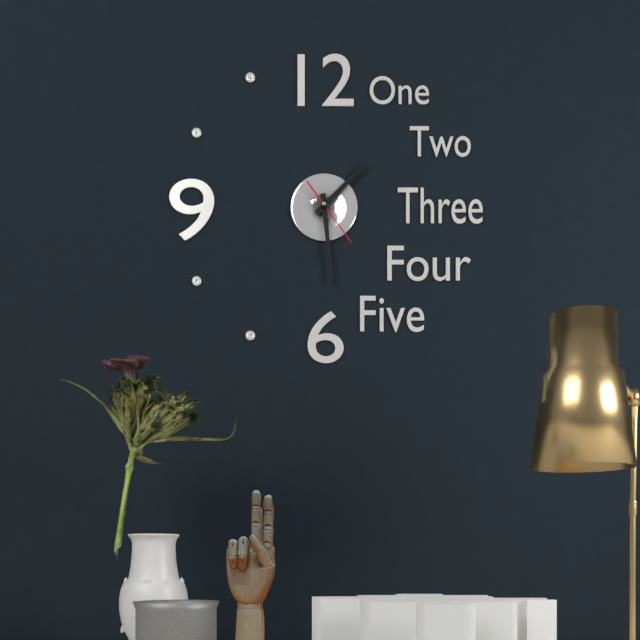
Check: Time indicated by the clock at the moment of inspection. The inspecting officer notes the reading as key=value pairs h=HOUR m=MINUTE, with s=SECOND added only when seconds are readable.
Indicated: h=1 m=29 s=24
